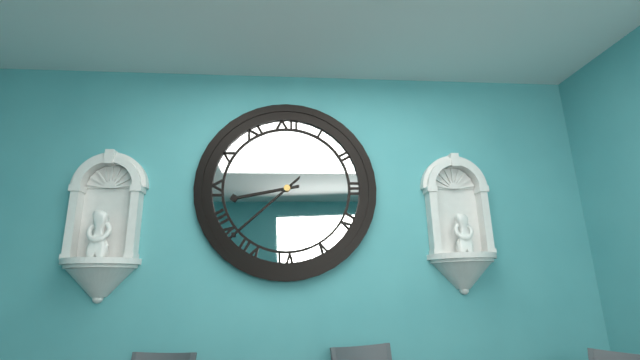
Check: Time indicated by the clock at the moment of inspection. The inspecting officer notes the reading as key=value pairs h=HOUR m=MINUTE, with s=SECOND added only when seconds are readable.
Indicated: h=8 m=38
